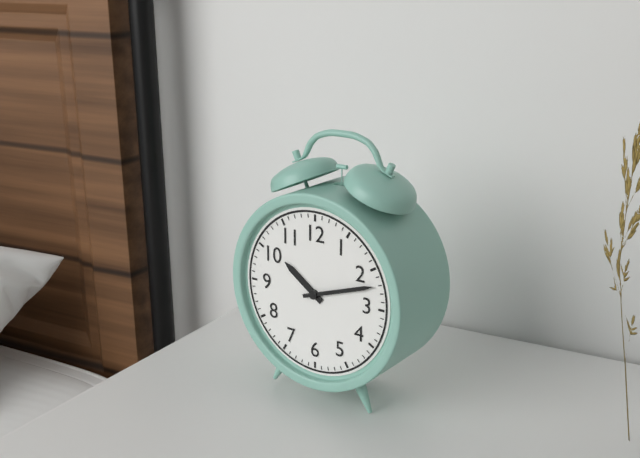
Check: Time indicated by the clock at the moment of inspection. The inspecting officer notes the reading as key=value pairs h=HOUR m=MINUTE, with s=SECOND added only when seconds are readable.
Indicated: h=10 m=12
